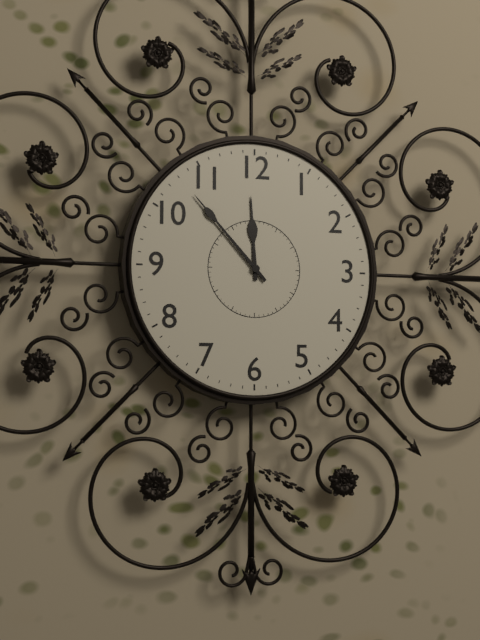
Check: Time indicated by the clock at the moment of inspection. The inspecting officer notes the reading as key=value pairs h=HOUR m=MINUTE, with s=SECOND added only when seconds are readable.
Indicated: h=11 m=53
